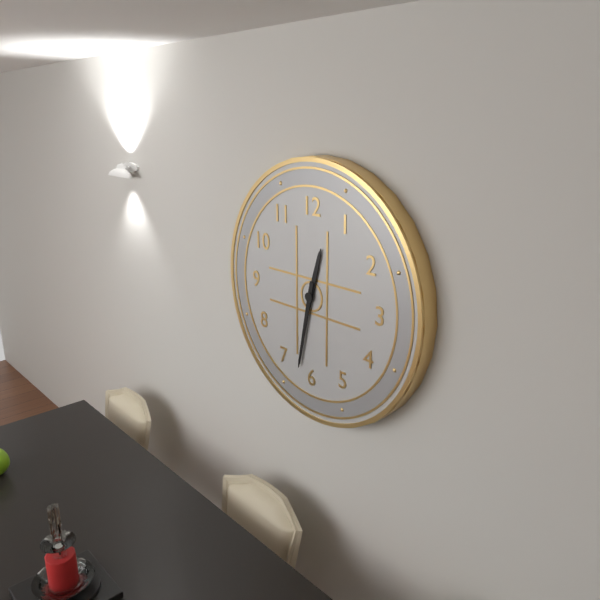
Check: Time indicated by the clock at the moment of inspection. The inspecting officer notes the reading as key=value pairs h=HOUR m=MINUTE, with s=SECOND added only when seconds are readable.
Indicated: h=12 m=32
